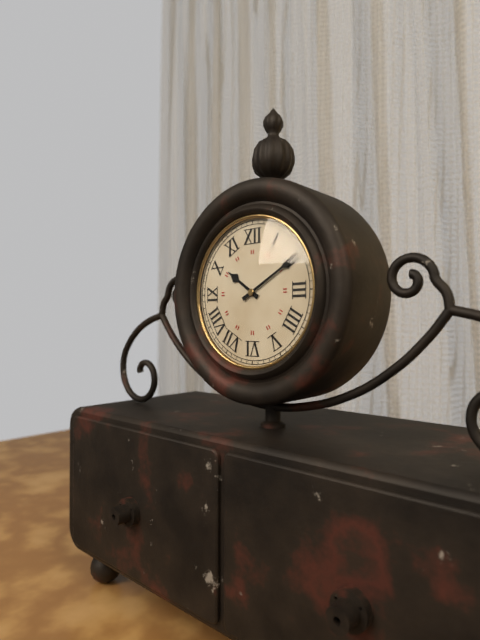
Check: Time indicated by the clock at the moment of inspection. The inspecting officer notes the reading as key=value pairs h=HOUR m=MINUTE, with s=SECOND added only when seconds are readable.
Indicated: h=10 m=10
